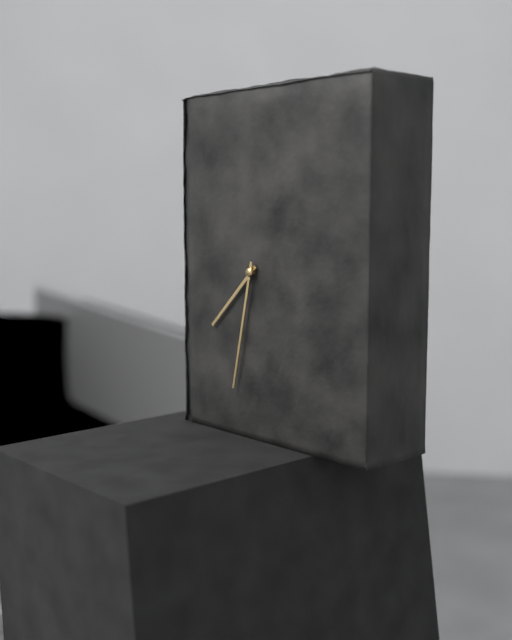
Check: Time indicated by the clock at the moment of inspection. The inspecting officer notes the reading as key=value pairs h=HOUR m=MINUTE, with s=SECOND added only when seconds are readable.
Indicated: h=7 m=32
